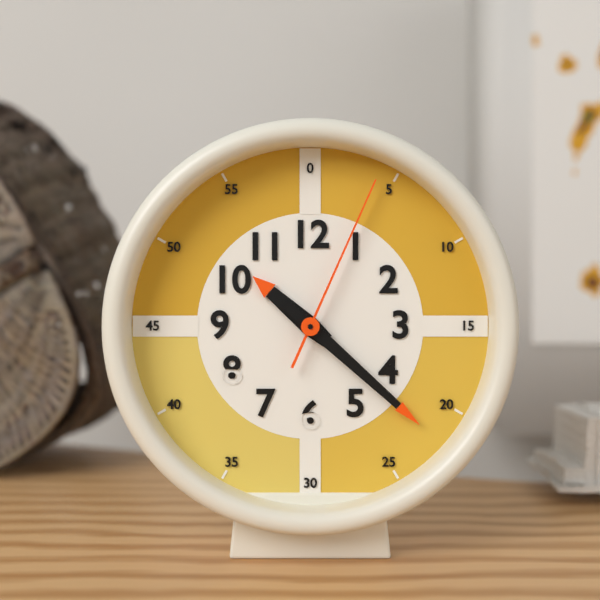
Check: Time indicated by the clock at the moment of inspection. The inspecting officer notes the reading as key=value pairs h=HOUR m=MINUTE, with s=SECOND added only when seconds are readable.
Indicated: h=10 m=22 s=4
